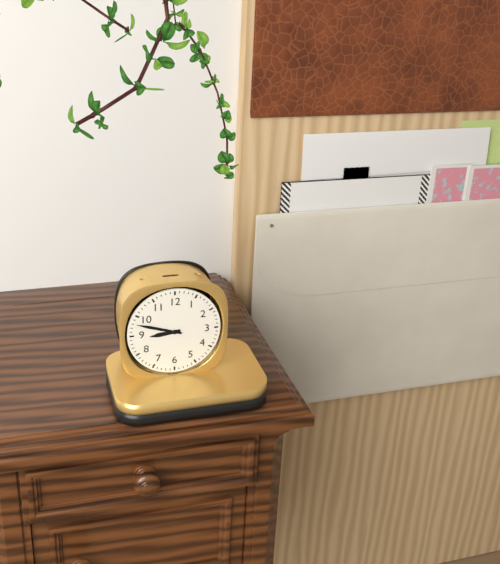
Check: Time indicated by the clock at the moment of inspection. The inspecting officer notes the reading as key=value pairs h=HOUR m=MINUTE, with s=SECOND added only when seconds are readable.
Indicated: h=8 m=48
